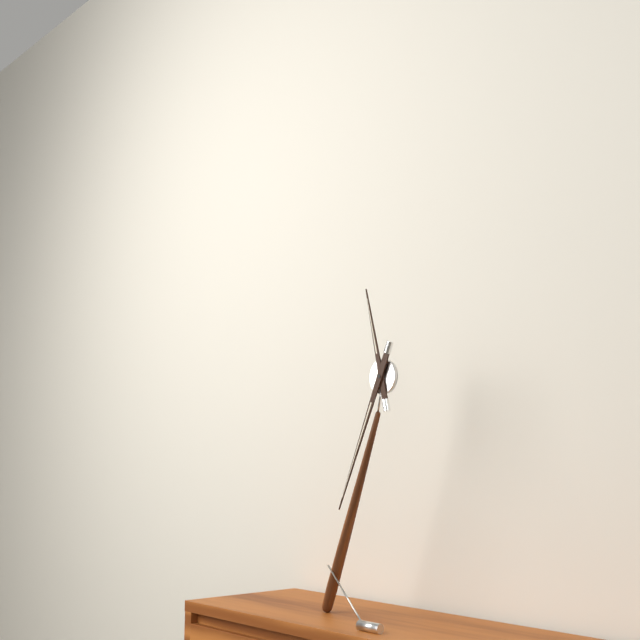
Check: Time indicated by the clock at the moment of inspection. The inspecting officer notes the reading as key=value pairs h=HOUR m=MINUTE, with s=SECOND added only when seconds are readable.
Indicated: h=11 m=34
